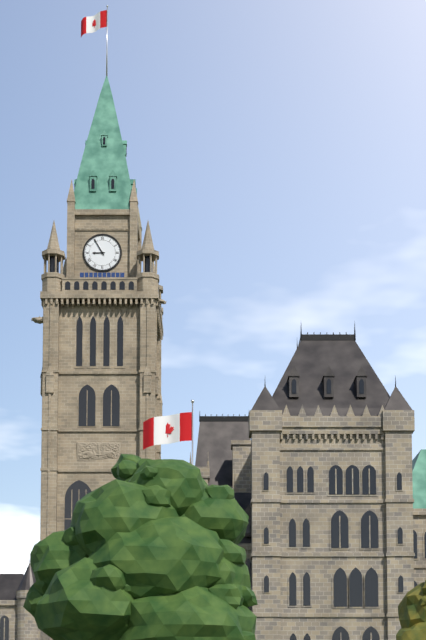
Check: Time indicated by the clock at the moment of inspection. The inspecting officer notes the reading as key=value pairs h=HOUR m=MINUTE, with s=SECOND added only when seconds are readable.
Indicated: h=8 m=55
